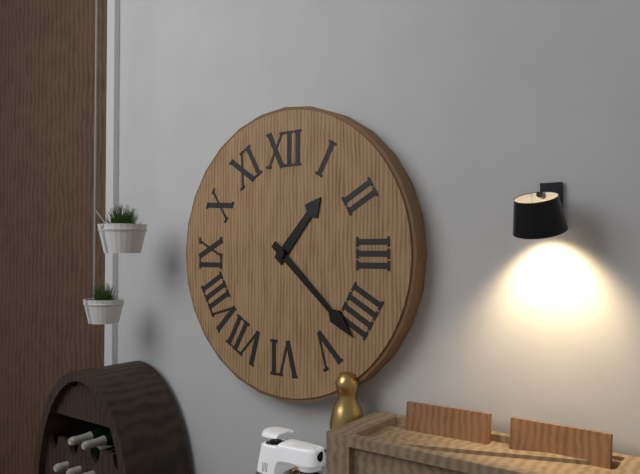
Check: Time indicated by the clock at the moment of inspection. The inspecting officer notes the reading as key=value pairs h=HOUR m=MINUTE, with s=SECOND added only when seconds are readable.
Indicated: h=1 m=22
